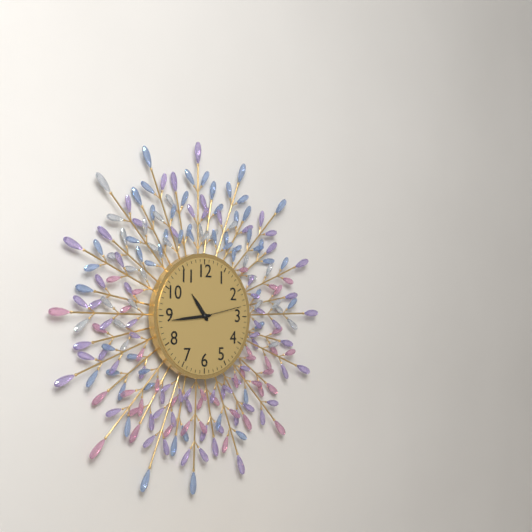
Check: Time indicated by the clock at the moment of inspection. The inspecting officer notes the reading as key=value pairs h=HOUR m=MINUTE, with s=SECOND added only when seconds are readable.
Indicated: h=10 m=44 s=13
